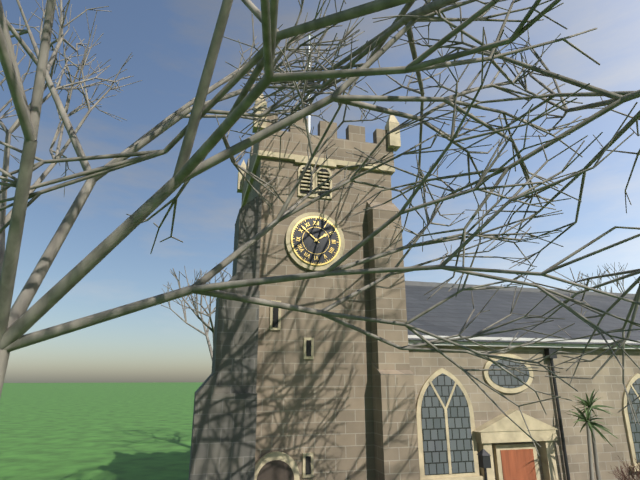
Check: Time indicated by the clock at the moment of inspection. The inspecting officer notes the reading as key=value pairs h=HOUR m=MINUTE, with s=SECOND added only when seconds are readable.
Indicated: h=1 m=52
